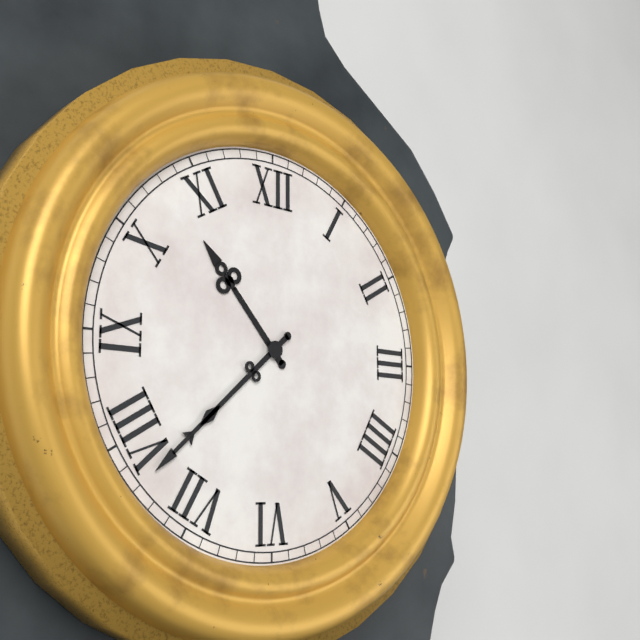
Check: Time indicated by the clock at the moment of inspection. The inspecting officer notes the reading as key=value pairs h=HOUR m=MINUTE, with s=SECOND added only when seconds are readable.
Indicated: h=10 m=38
